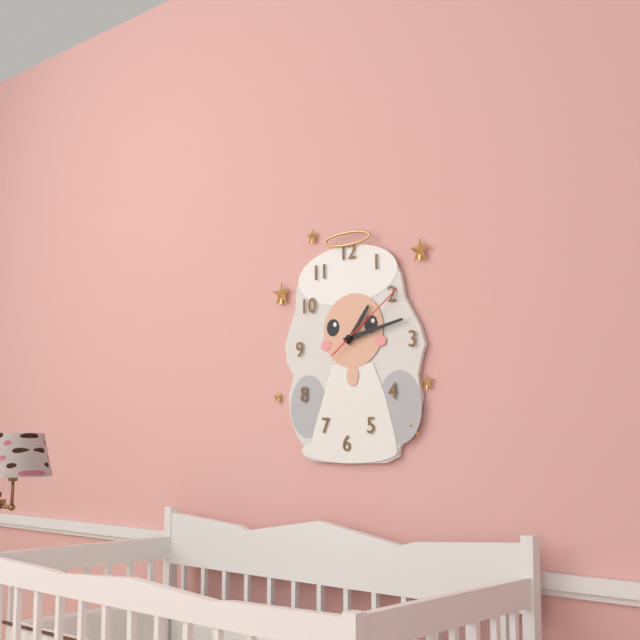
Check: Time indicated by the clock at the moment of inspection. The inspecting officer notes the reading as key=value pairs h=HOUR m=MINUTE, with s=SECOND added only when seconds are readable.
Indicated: h=1 m=13 s=9
